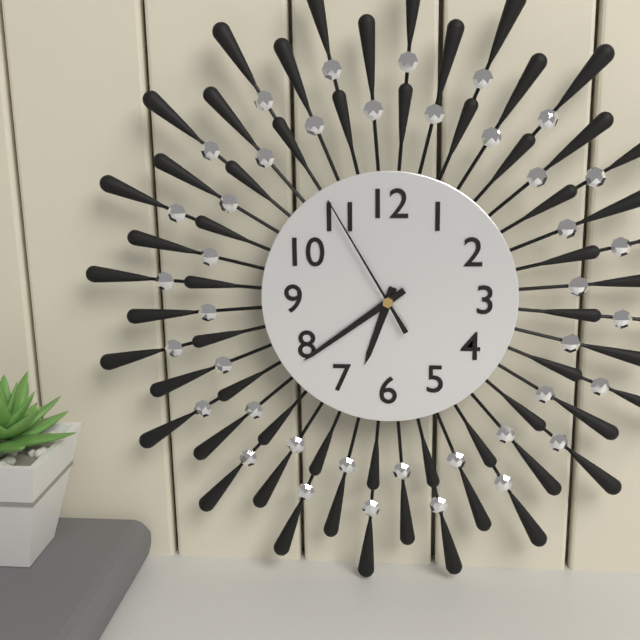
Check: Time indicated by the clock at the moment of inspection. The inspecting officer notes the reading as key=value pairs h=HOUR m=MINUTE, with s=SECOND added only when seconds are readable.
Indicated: h=6 m=39 s=55
